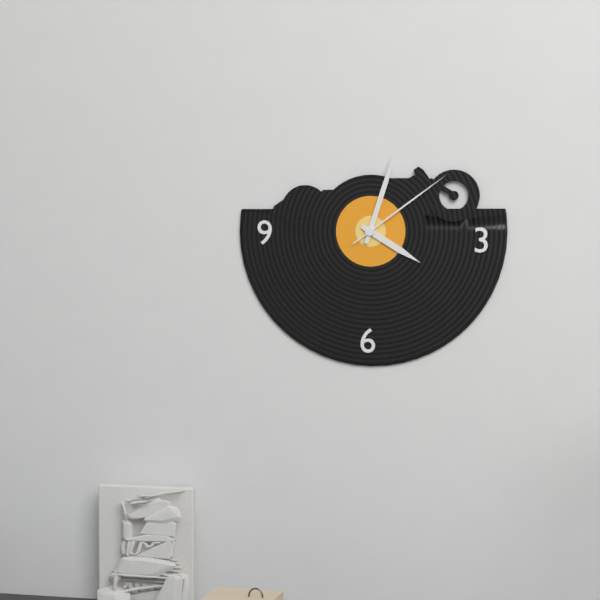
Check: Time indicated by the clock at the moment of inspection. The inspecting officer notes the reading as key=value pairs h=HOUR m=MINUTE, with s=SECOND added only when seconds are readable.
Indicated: h=4 m=3 s=9
